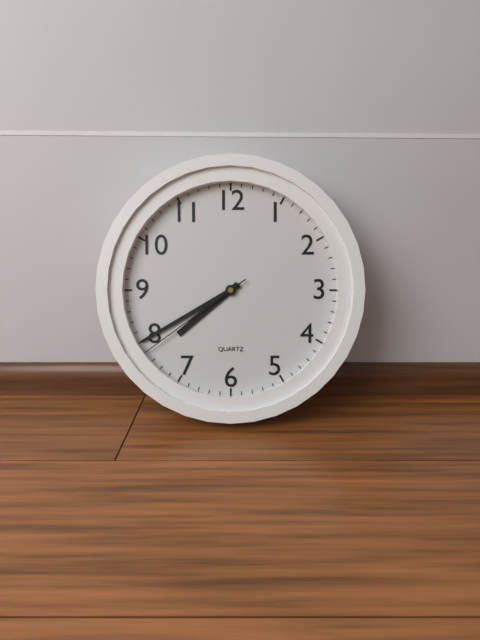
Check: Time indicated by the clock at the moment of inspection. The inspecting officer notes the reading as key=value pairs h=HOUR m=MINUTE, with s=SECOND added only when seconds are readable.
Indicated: h=7 m=40 s=39
